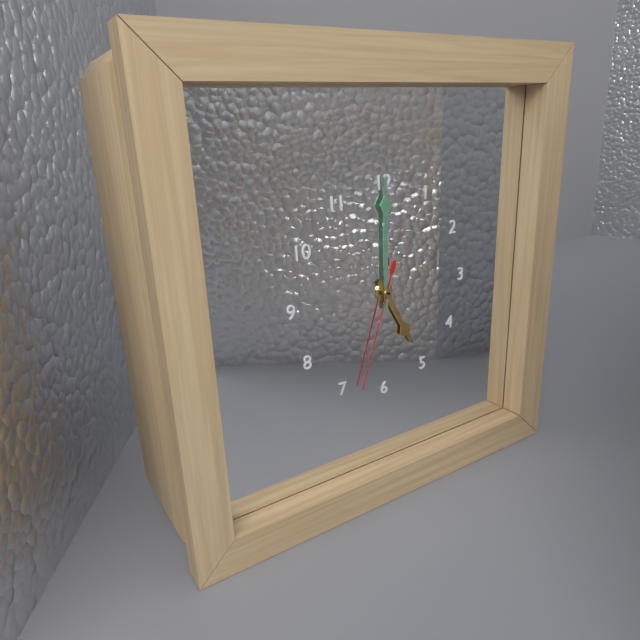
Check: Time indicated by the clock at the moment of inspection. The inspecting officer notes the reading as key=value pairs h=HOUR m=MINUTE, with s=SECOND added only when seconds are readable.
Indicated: h=5 m=0 s=33
